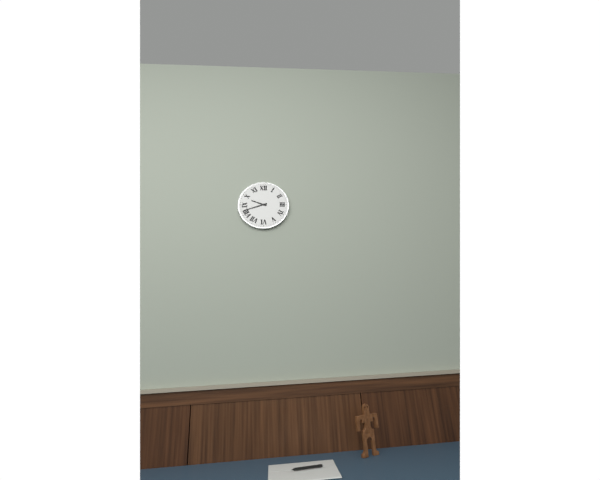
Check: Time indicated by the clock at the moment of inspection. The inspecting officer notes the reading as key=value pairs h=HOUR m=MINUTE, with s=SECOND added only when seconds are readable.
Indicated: h=9 m=42
